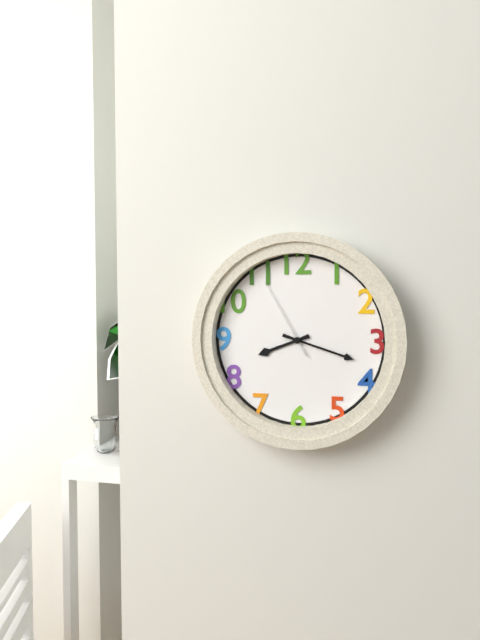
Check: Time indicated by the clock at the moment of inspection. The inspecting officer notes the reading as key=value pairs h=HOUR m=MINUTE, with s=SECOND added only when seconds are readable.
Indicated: h=8 m=18 s=55
